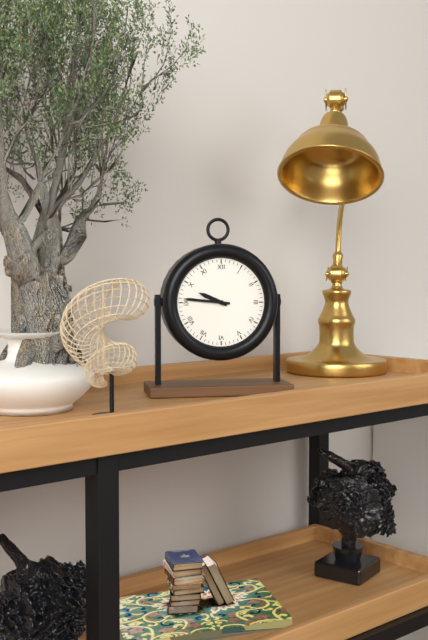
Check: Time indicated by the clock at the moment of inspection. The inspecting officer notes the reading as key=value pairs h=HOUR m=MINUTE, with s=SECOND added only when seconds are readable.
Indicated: h=9 m=46
